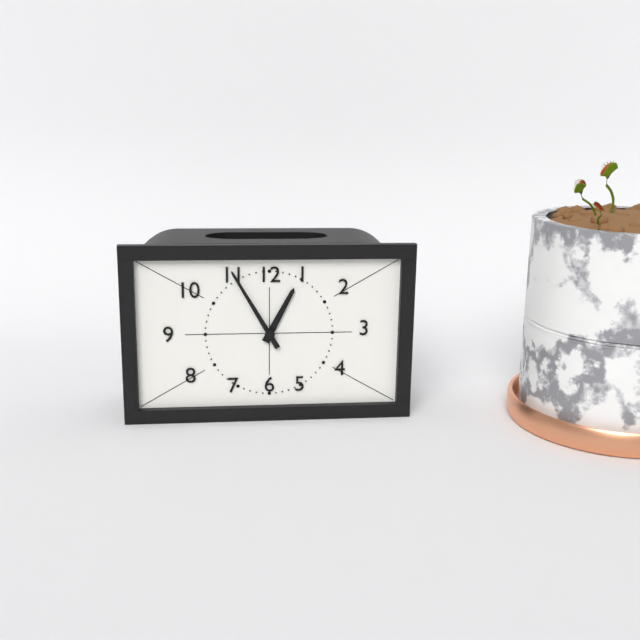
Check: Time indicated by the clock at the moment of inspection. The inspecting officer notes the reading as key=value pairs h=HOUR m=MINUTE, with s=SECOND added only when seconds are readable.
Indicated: h=12 m=55
